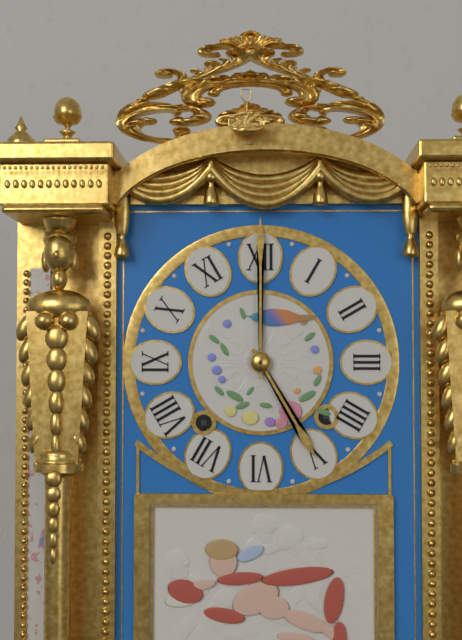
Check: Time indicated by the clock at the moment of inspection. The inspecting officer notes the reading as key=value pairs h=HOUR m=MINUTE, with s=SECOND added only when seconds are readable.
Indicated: h=5 m=0
